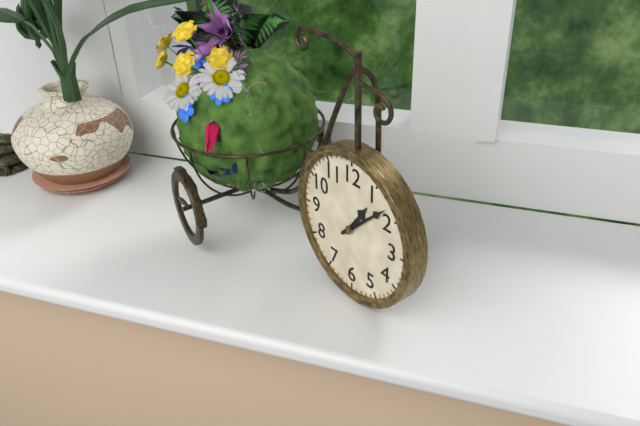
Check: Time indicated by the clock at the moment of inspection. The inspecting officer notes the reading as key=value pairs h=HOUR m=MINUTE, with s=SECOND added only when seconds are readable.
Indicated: h=1 m=8
